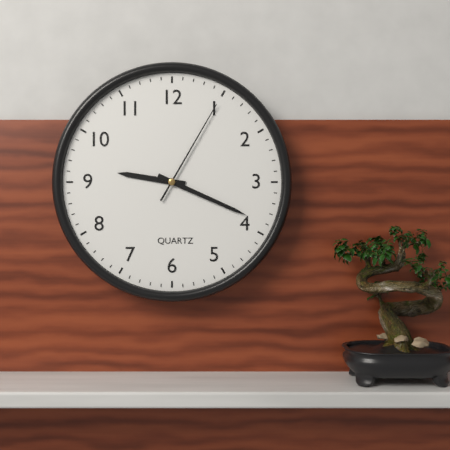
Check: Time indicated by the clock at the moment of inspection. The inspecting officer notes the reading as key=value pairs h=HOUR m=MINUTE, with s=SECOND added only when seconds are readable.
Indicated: h=9 m=19 s=5
